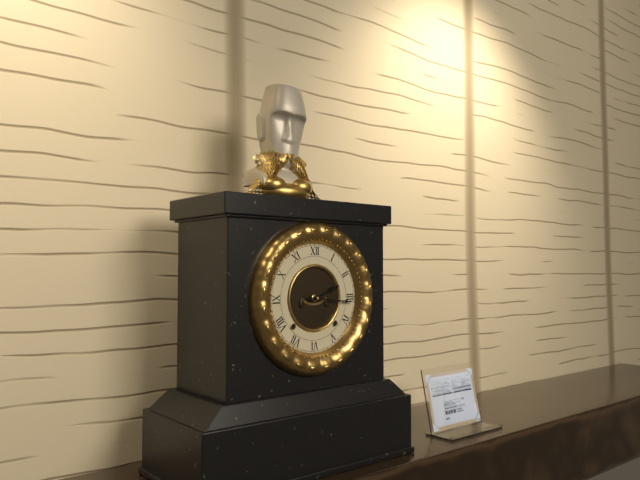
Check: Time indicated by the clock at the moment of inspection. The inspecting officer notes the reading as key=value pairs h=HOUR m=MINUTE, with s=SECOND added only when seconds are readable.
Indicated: h=2 m=16
